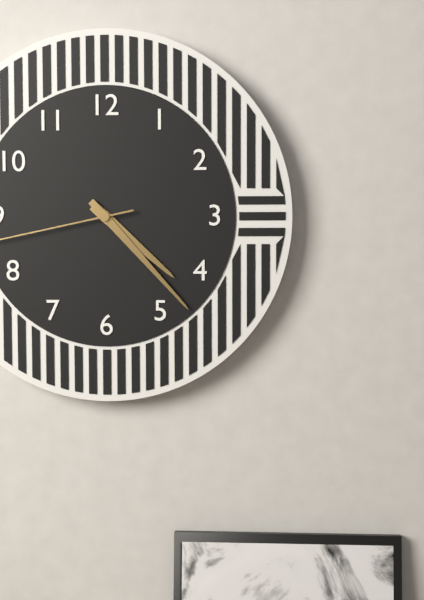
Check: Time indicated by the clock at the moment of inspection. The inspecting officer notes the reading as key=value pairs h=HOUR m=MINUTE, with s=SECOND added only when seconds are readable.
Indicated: h=4 m=23
